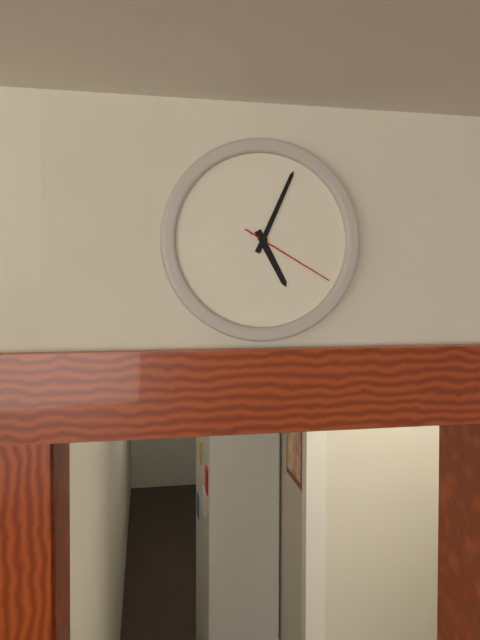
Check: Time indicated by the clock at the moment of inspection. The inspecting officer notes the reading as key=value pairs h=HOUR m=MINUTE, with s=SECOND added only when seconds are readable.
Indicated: h=5 m=4 s=20
